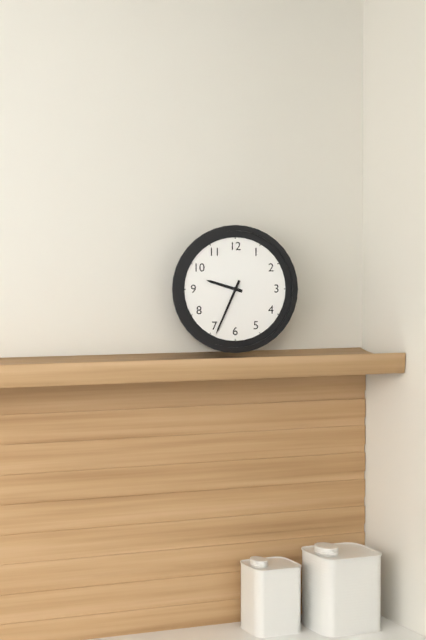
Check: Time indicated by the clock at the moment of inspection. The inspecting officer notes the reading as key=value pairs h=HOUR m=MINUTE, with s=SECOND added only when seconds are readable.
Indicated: h=9 m=34
